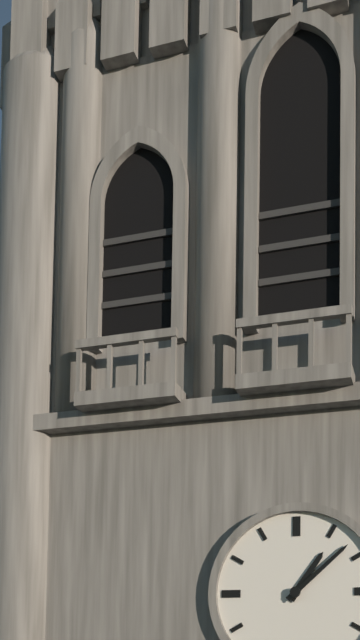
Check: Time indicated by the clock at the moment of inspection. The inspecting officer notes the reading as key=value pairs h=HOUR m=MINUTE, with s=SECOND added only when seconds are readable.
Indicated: h=1 m=8
